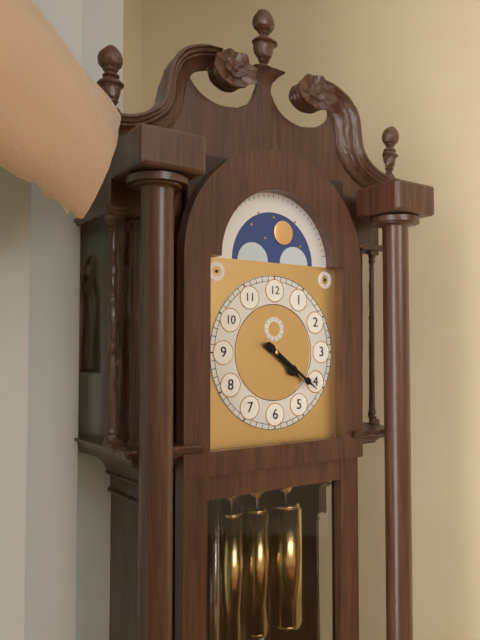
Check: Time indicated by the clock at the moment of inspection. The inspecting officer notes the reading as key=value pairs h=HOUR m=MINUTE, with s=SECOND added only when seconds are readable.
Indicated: h=4 m=21
